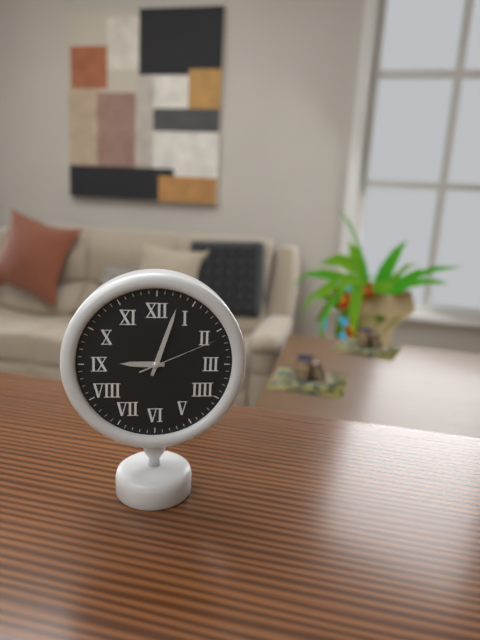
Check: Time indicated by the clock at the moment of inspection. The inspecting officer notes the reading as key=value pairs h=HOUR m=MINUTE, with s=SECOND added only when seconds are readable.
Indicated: h=9 m=3 s=11
